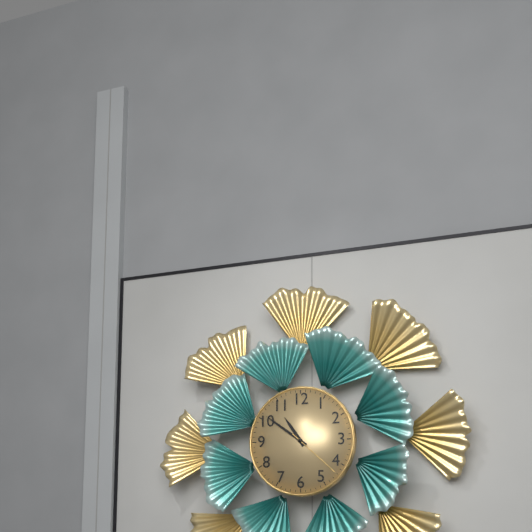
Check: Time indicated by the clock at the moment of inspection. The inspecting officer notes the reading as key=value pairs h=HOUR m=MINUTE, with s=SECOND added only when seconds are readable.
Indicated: h=10 m=51 s=22
